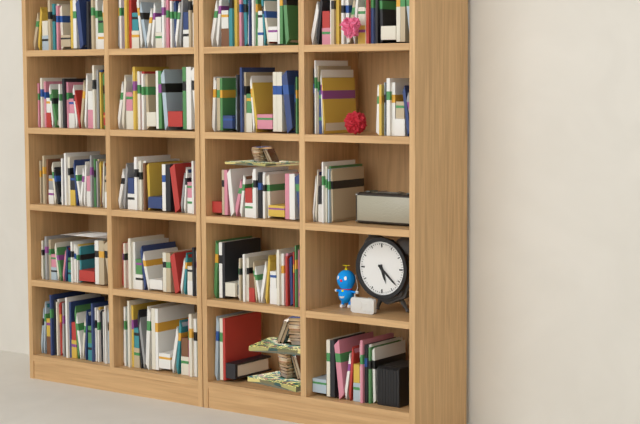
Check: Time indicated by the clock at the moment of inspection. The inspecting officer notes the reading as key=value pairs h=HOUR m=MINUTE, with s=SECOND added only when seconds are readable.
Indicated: h=5 m=22
